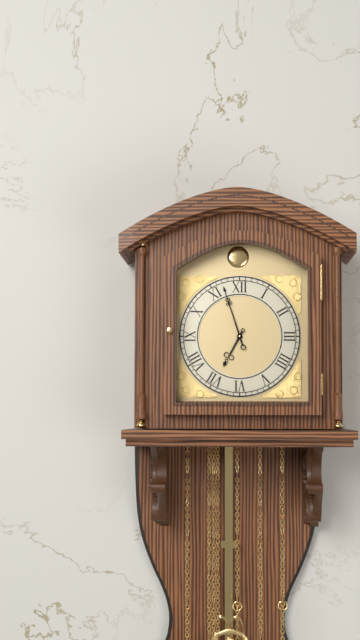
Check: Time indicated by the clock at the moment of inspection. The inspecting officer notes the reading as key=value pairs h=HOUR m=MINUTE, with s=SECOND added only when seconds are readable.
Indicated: h=6 m=57
